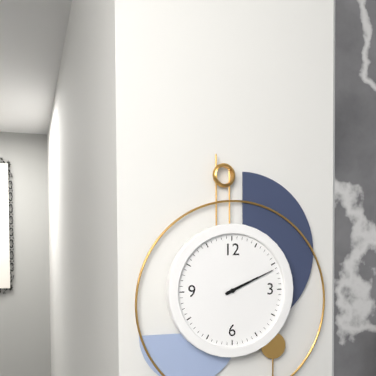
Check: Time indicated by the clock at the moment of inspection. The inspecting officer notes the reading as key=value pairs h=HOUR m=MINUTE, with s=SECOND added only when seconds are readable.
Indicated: h=2 m=11
